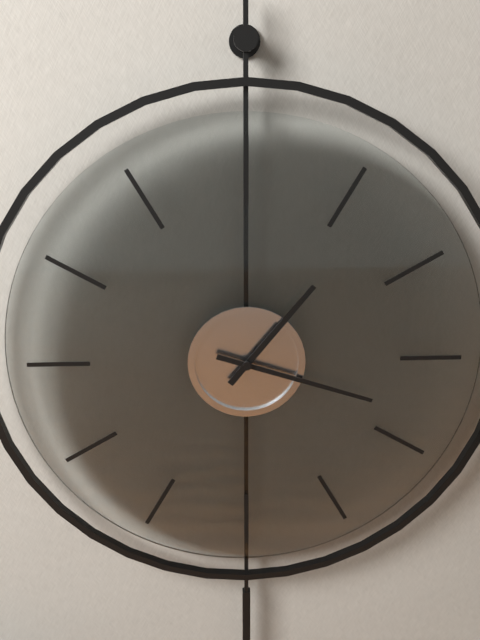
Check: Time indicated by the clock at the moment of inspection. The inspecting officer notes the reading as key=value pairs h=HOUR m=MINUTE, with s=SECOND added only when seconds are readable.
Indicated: h=1 m=18
